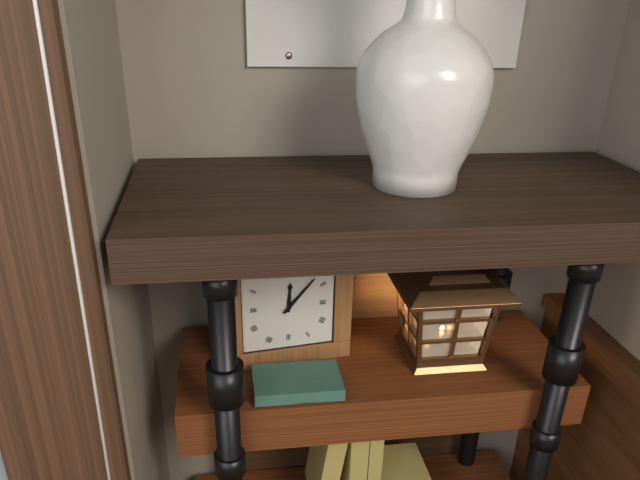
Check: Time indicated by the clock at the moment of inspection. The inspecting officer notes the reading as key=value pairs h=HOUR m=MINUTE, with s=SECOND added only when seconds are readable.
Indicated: h=12 m=7
